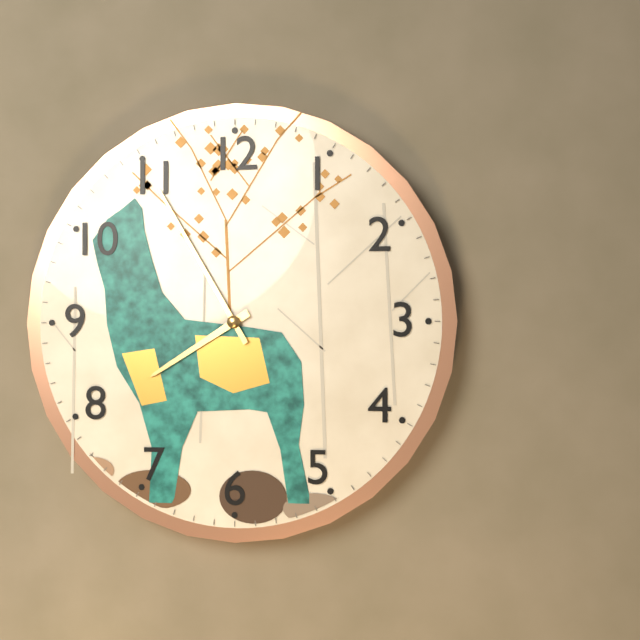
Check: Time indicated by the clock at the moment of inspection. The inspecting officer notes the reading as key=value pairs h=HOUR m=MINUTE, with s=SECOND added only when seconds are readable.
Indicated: h=7 m=55
